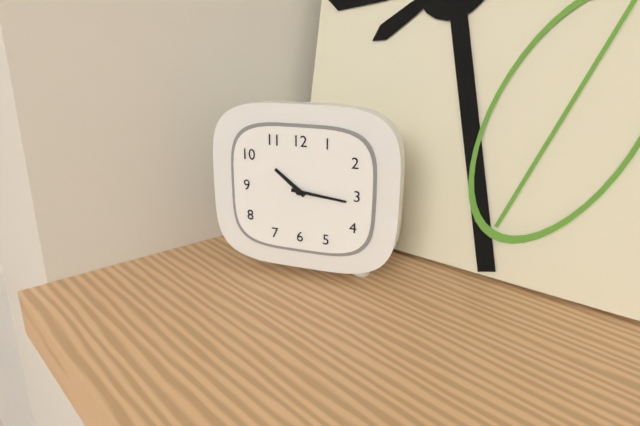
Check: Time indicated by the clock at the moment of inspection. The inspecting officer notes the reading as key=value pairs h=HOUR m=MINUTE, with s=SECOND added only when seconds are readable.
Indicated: h=10 m=16
